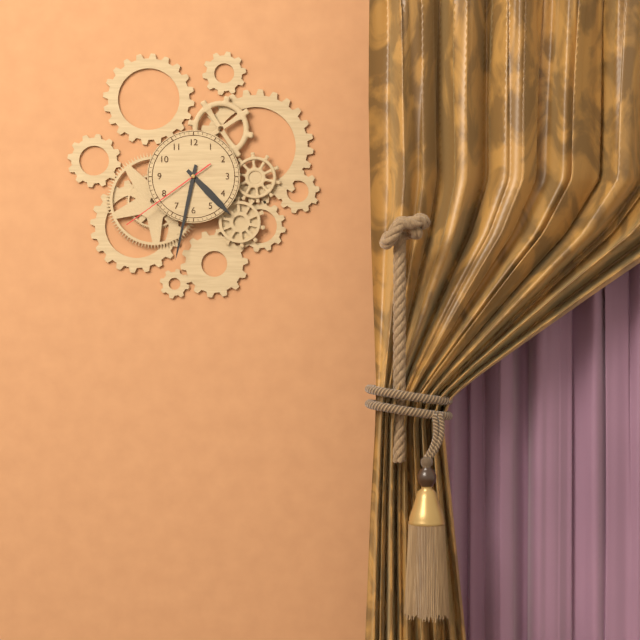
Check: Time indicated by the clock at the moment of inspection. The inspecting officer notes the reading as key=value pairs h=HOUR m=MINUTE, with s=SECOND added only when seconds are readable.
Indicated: h=4 m=32 s=39
